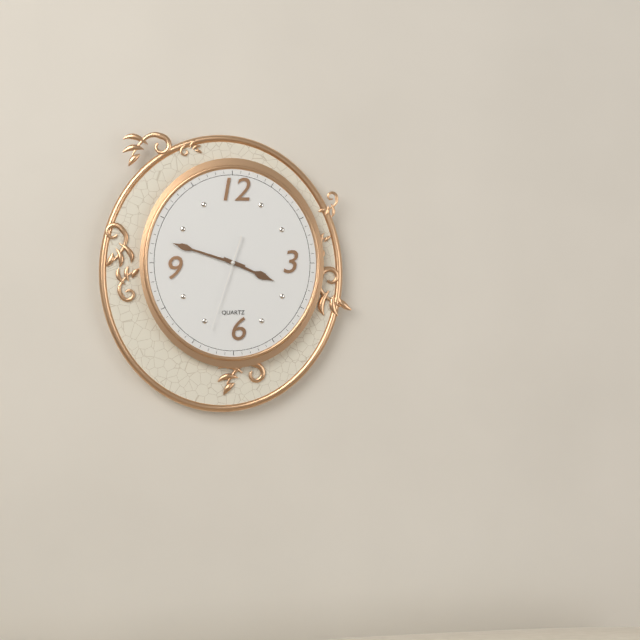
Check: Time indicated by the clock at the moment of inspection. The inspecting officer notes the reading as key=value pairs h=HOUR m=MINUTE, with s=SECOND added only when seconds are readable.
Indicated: h=3 m=48 s=33
